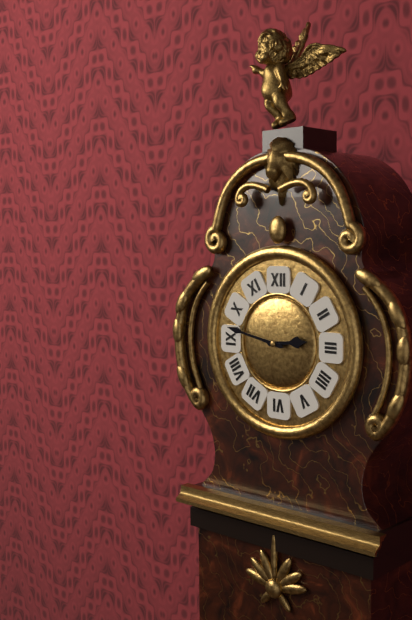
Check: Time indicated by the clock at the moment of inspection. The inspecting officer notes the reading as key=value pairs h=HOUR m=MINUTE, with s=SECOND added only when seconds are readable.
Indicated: h=2 m=47
